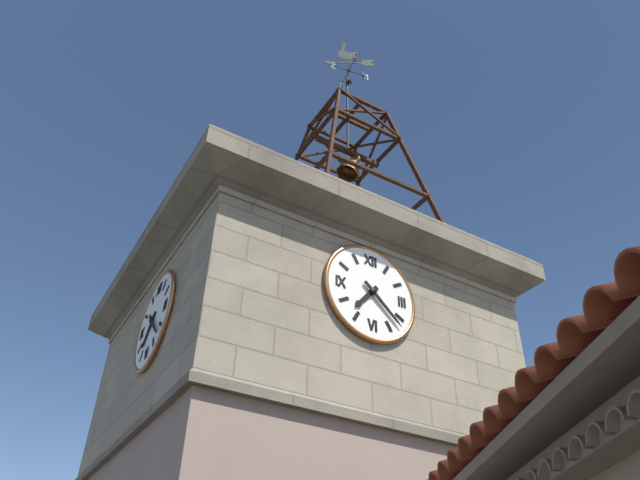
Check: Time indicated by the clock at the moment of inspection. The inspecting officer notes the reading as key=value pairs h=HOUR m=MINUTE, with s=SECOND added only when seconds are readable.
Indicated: h=7 m=22
